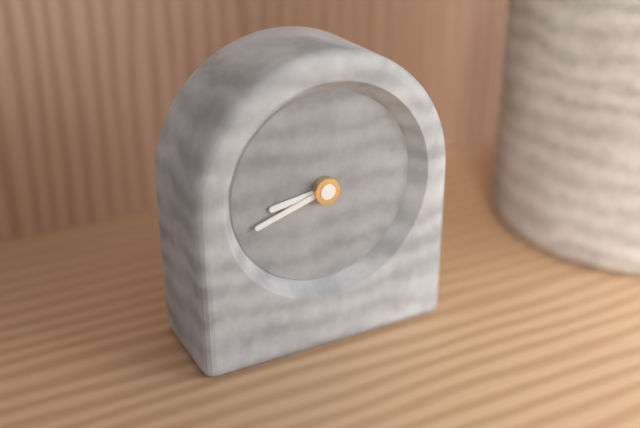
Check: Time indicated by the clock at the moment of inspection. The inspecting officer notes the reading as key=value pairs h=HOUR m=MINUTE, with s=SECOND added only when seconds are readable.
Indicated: h=8 m=42
